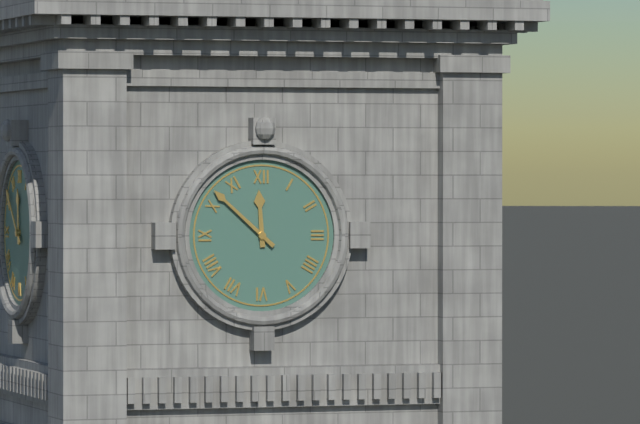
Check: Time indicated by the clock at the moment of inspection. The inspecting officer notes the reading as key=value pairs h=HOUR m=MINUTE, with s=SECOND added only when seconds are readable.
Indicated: h=11 m=52
